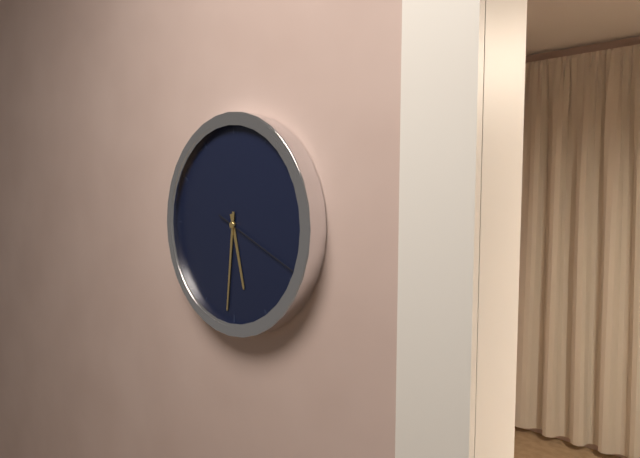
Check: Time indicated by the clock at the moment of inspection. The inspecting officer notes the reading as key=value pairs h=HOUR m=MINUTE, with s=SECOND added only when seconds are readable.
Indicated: h=5 m=31 s=19
